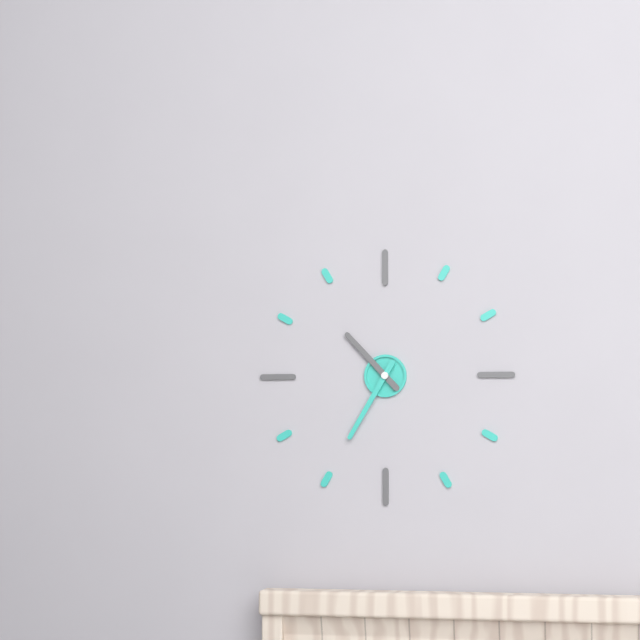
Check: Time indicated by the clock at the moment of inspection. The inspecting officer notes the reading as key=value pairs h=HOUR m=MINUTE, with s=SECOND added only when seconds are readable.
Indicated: h=10 m=35
